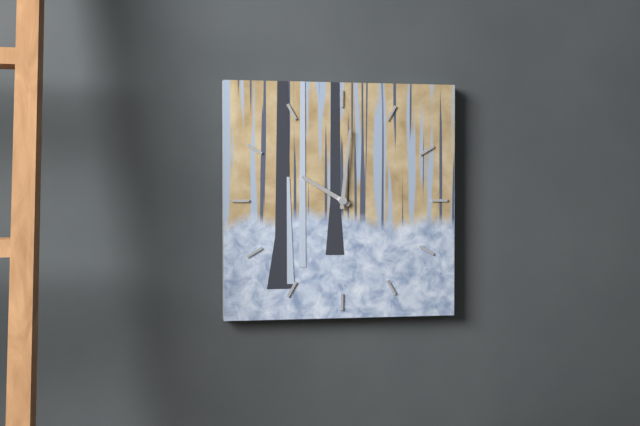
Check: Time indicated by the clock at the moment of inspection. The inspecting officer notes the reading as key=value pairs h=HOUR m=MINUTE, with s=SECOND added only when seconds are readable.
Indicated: h=10 m=1
